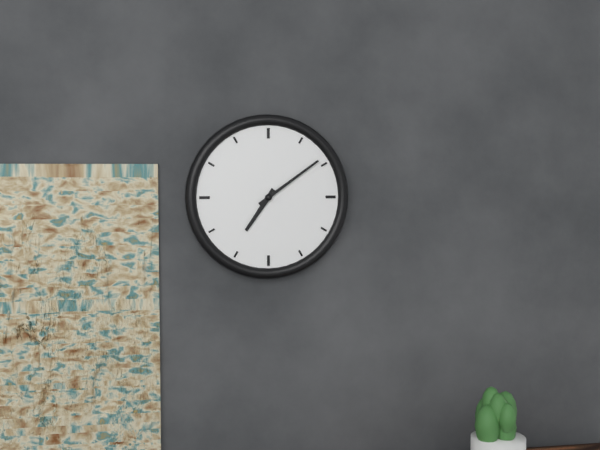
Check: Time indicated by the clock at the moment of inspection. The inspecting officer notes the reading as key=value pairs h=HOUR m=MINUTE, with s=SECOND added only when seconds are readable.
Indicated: h=7 m=9
